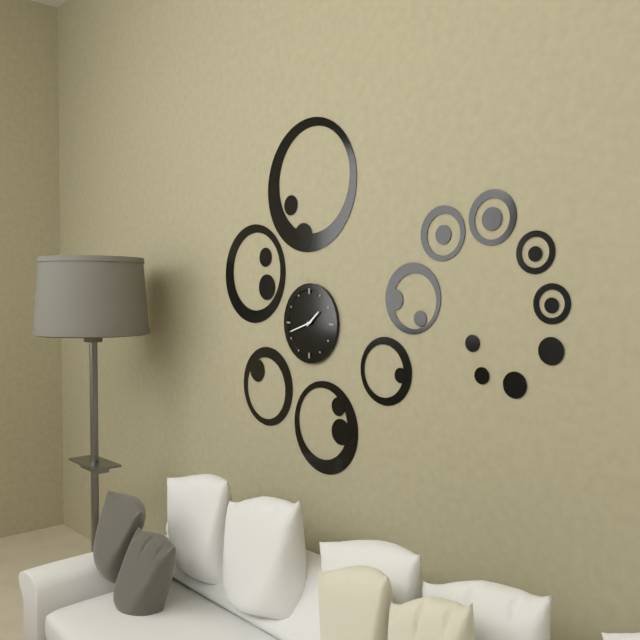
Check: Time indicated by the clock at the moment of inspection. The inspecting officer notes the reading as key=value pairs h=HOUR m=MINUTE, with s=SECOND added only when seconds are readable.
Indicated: h=1 m=42
